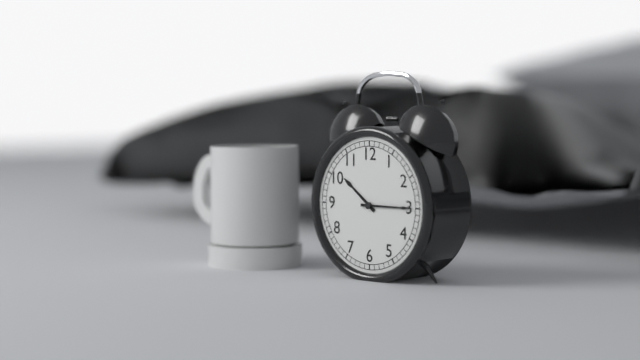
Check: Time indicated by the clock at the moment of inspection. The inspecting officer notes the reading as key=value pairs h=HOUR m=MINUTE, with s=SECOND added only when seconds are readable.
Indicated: h=10 m=15
